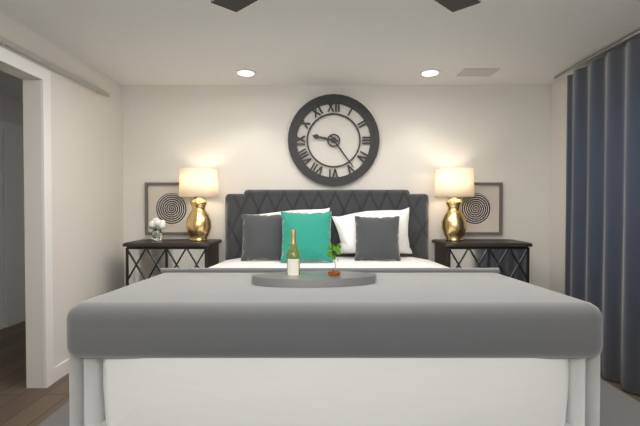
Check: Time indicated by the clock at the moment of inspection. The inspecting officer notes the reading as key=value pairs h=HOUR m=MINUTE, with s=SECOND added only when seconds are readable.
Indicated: h=9 m=24
